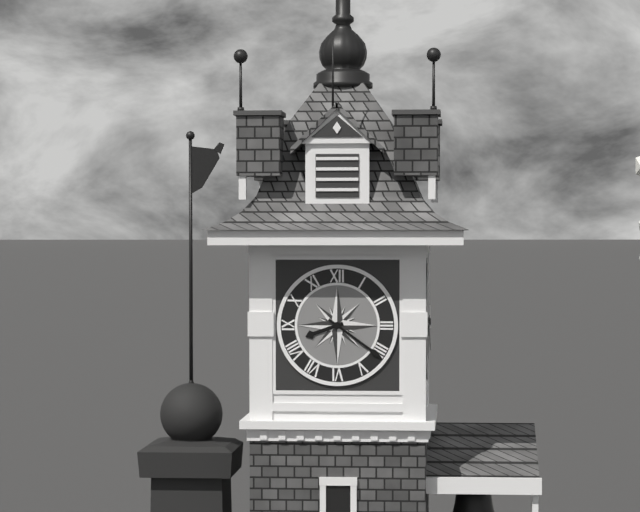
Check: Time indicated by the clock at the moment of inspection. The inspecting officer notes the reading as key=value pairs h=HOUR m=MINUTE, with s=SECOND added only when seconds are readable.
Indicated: h=8 m=21
